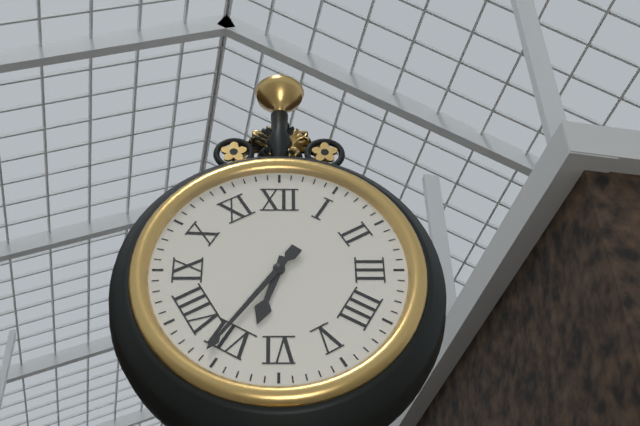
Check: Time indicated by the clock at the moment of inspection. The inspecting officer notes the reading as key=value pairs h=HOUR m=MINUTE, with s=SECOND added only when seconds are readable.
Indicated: h=6 m=36
